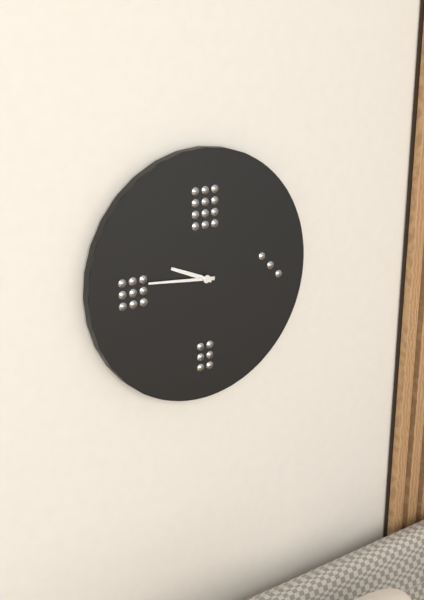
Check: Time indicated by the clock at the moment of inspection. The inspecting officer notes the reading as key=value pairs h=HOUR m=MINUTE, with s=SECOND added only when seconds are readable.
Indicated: h=9 m=46
